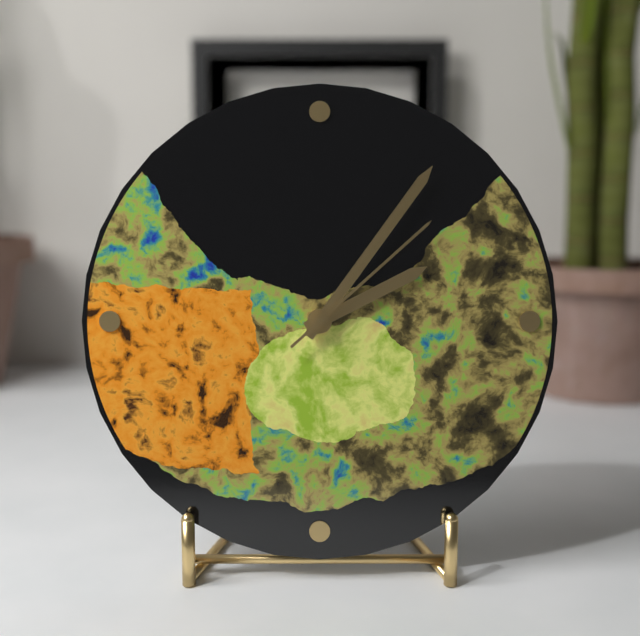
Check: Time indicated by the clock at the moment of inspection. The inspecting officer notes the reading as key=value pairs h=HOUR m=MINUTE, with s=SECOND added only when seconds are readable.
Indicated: h=2 m=6 s=8
